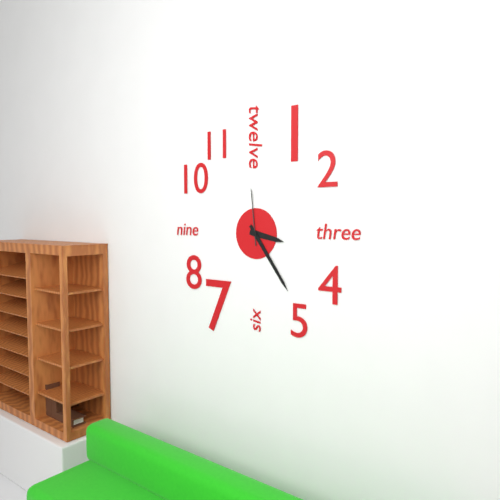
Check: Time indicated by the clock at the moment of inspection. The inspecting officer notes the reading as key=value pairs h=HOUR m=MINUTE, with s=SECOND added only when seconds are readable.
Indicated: h=3 m=24 s=59
